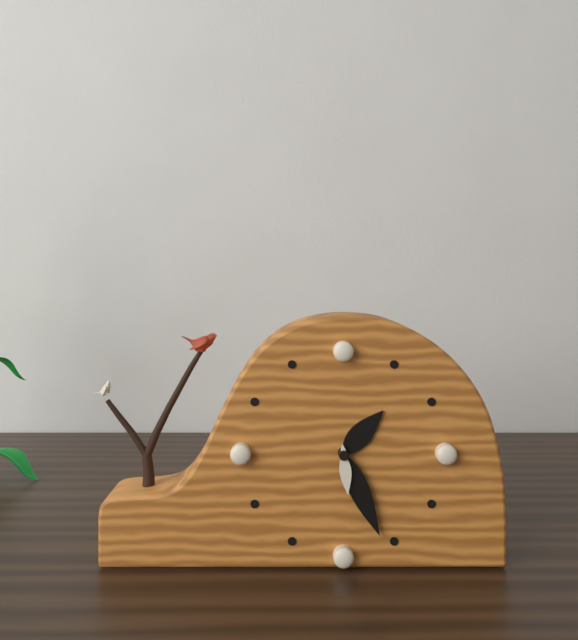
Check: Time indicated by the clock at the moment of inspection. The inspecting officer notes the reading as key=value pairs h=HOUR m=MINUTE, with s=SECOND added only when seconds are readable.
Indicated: h=1 m=26 s=29
